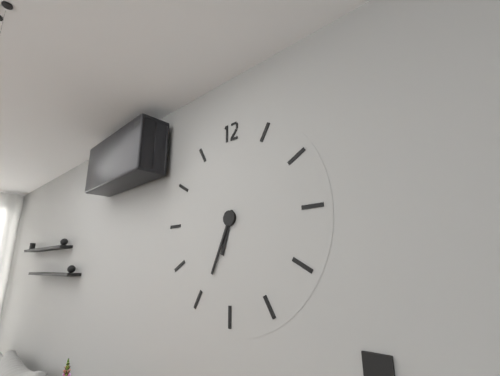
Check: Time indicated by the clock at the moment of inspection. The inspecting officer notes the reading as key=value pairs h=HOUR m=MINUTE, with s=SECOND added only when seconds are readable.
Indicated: h=6 m=34
